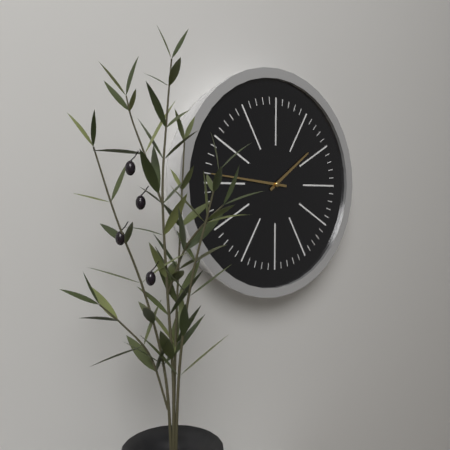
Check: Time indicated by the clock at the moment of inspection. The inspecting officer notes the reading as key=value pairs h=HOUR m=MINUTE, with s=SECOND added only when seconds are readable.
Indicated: h=1 m=46
